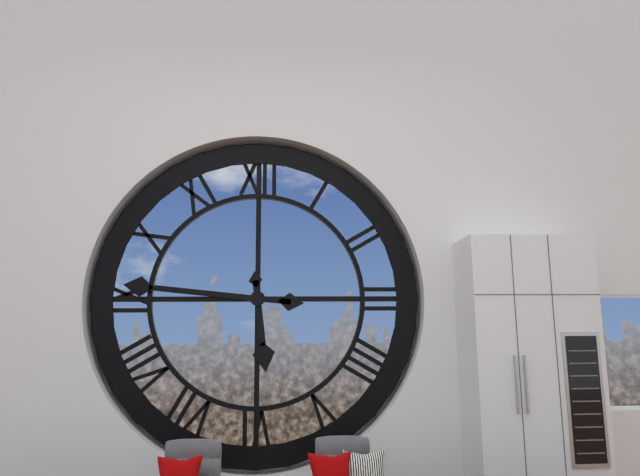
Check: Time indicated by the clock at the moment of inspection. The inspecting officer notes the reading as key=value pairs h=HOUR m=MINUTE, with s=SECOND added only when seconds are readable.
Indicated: h=5 m=46
